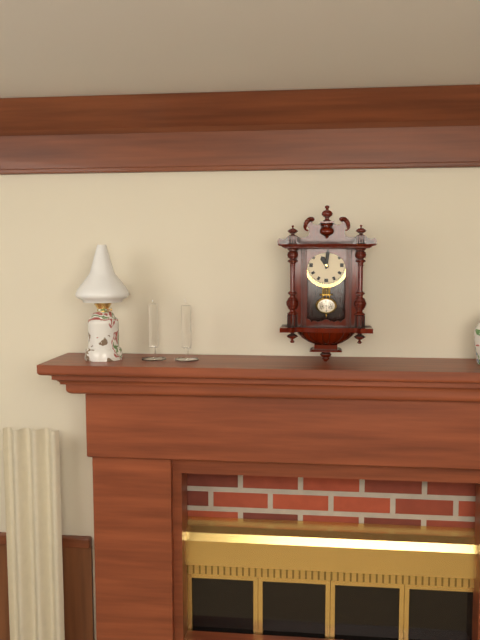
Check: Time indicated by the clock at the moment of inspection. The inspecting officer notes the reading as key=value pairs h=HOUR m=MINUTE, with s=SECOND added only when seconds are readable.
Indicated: h=11 m=1
